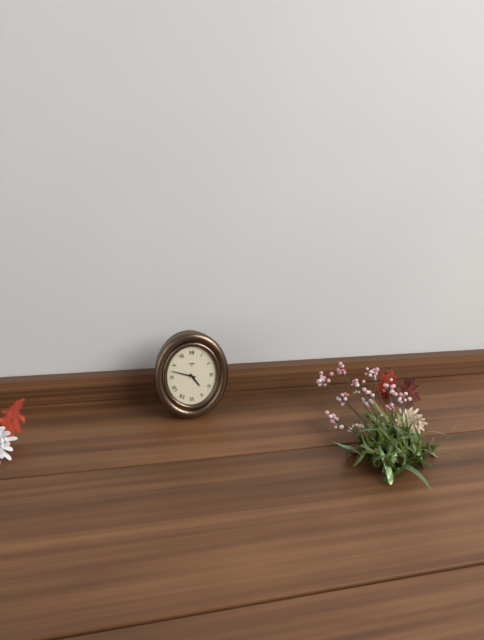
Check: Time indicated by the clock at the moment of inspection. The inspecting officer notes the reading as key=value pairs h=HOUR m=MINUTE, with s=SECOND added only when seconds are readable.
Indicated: h=4 m=48
